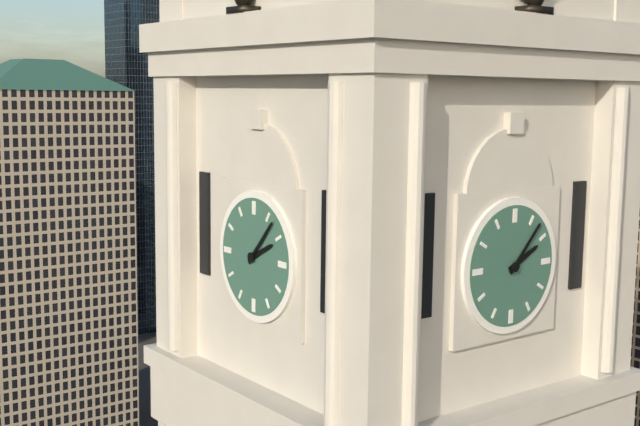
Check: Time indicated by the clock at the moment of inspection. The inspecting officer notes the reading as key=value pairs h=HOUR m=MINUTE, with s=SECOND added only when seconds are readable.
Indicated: h=2 m=7
